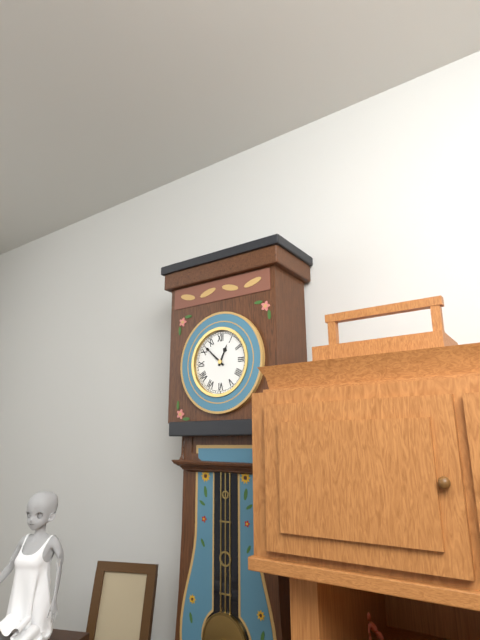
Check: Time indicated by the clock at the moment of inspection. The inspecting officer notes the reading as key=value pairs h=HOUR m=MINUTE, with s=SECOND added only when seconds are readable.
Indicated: h=12 m=52
